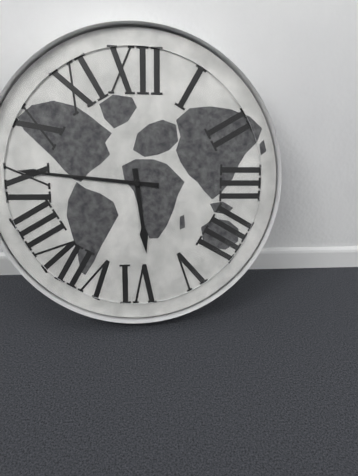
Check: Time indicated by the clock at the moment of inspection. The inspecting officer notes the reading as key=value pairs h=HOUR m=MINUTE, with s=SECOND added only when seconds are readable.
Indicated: h=5 m=46
